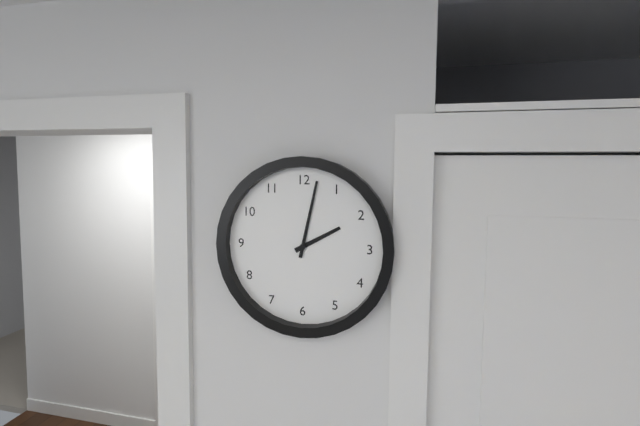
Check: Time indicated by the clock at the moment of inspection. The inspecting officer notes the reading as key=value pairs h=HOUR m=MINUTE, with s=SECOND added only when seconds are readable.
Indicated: h=2 m=2
